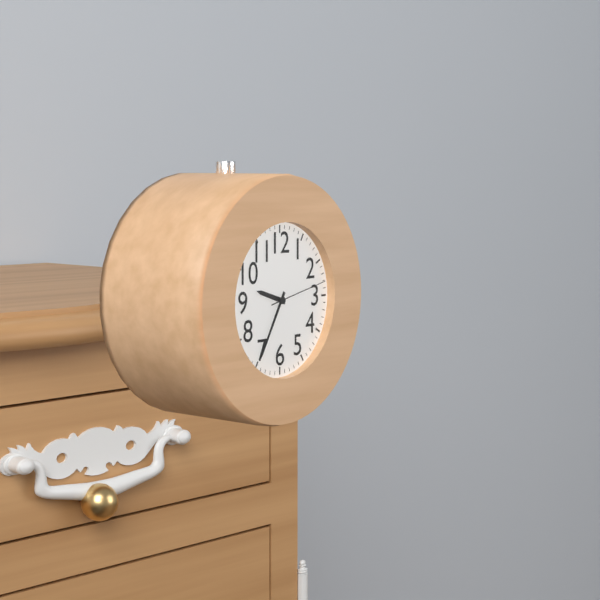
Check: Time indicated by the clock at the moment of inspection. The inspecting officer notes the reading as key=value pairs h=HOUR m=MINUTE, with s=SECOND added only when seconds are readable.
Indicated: h=9 m=35 s=13
